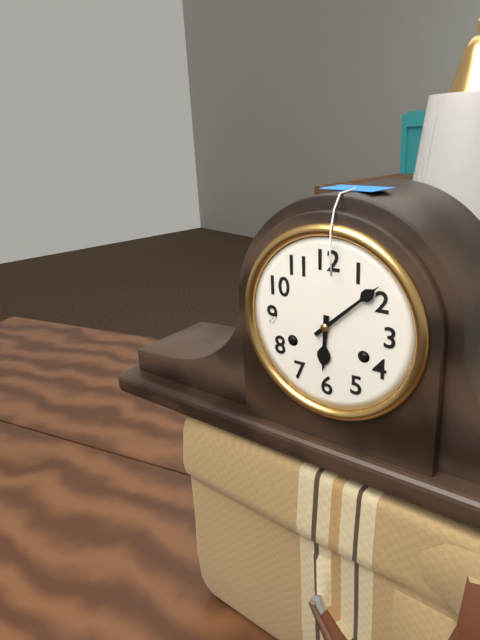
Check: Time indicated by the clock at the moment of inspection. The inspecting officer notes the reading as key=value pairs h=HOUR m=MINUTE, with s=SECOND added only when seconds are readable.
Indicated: h=6 m=8
